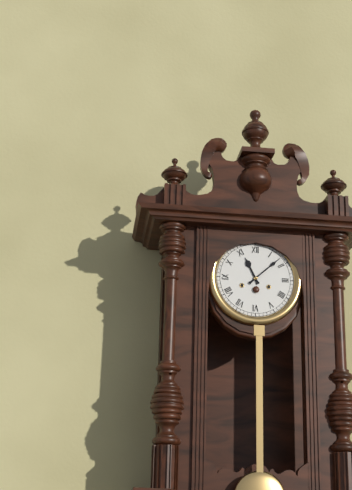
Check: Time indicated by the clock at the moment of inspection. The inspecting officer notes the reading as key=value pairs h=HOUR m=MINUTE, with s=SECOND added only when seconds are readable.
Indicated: h=11 m=8
